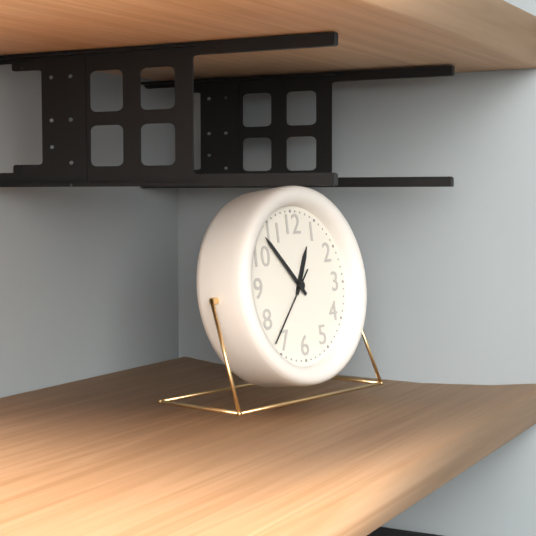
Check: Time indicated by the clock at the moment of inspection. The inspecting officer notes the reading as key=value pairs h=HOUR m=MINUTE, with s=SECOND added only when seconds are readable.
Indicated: h=12 m=53 s=37
